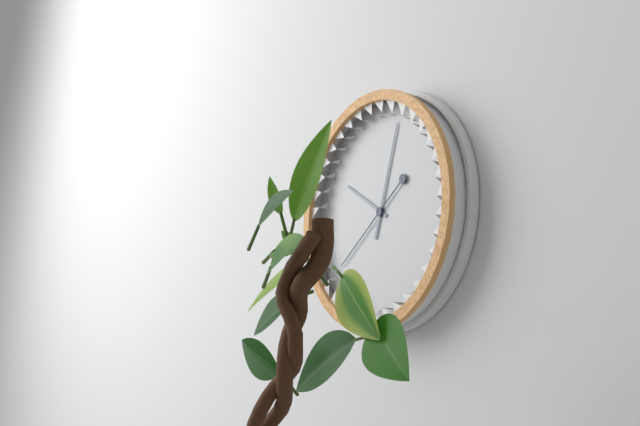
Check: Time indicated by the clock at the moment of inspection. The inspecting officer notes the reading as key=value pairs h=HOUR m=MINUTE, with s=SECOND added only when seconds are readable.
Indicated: h=10 m=3 s=39
